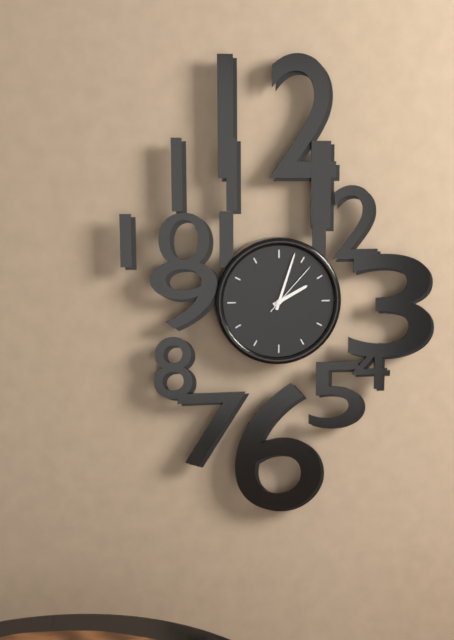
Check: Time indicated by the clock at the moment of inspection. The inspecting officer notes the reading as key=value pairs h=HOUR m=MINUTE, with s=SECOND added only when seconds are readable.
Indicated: h=2 m=3 s=7
